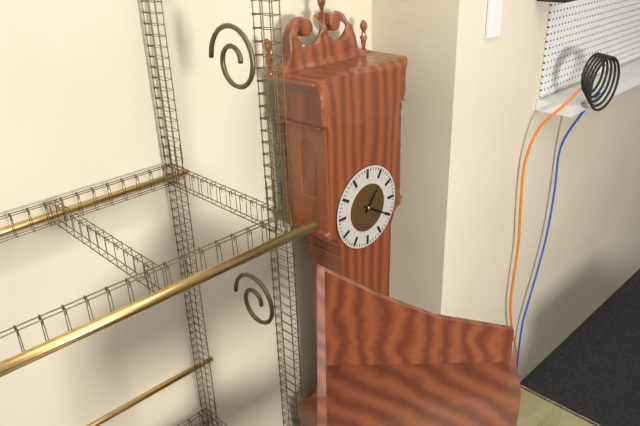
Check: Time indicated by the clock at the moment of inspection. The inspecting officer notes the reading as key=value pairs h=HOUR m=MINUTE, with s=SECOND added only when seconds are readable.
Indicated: h=1 m=20
